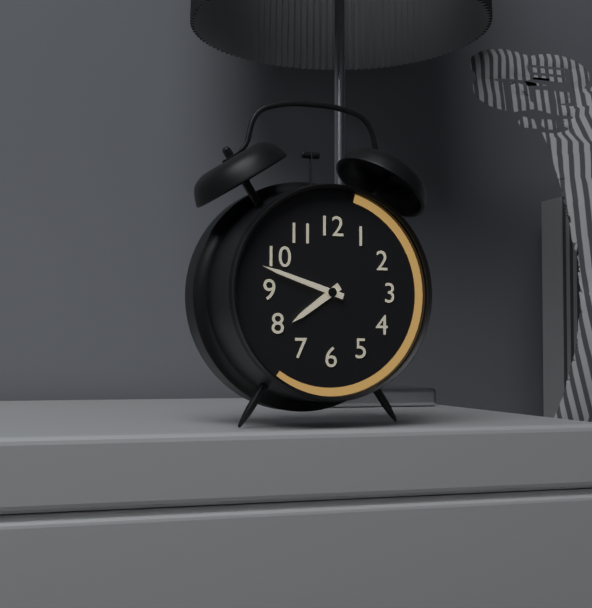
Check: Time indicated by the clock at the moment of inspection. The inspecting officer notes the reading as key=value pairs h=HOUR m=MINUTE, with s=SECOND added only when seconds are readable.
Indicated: h=7 m=48
